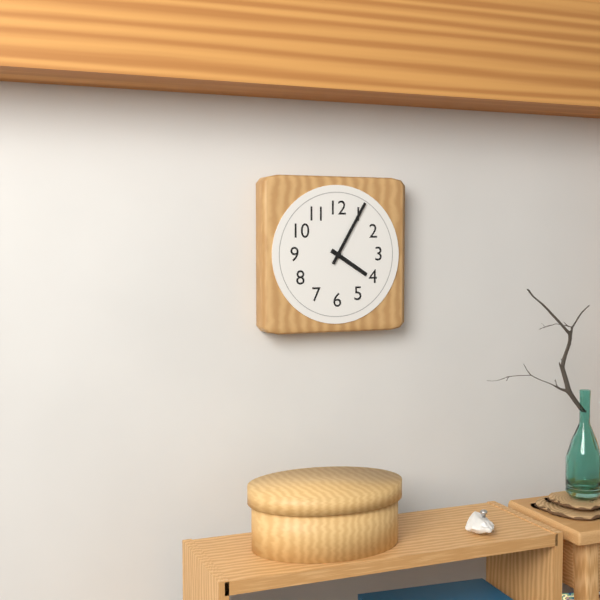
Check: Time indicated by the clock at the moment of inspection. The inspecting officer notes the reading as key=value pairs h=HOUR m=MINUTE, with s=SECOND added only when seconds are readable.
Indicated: h=4 m=5
